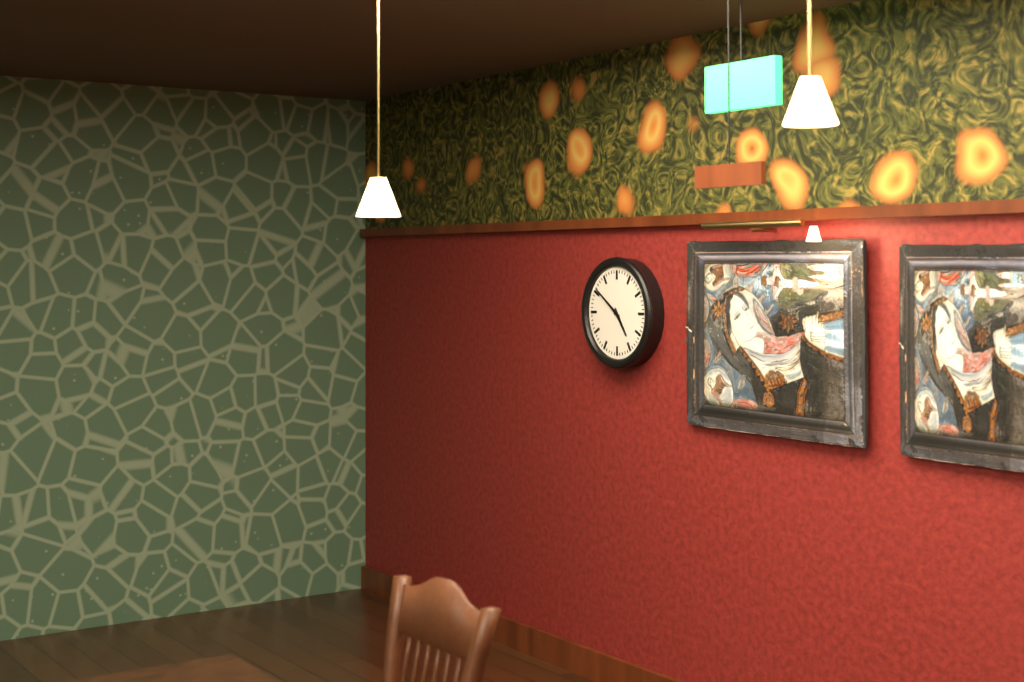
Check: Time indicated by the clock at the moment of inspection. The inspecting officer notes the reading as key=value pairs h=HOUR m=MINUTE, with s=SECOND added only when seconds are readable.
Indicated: h=4 m=51
